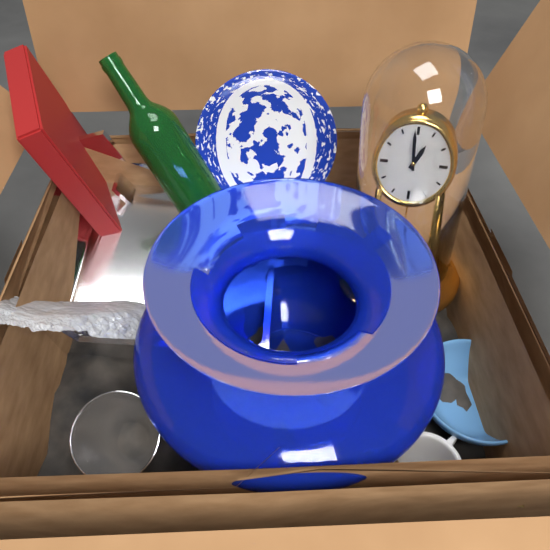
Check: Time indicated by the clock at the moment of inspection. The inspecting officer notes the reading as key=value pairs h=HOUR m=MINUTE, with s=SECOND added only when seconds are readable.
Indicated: h=12 m=59
